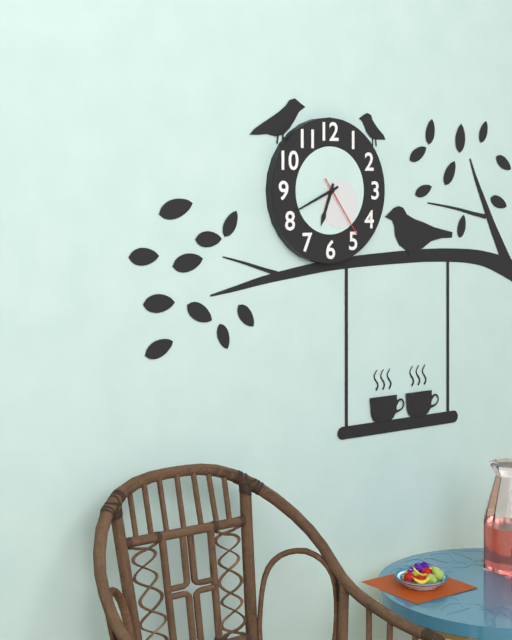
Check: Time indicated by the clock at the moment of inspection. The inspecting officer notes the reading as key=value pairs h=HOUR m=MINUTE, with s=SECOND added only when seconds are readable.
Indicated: h=6 m=41 s=24
